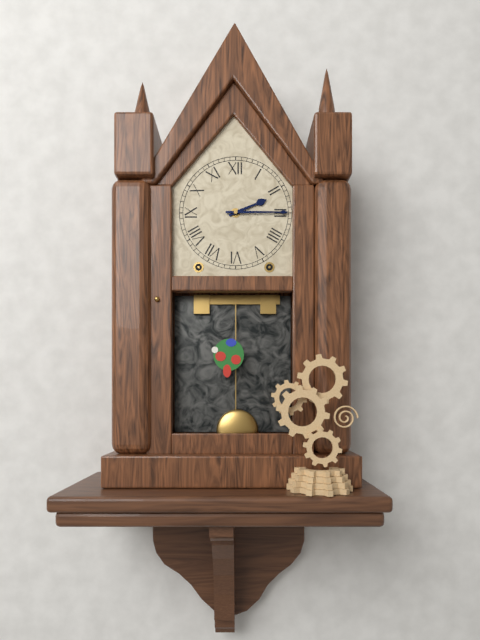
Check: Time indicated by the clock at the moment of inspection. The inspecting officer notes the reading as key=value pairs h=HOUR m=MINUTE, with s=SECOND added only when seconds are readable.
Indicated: h=2 m=15
